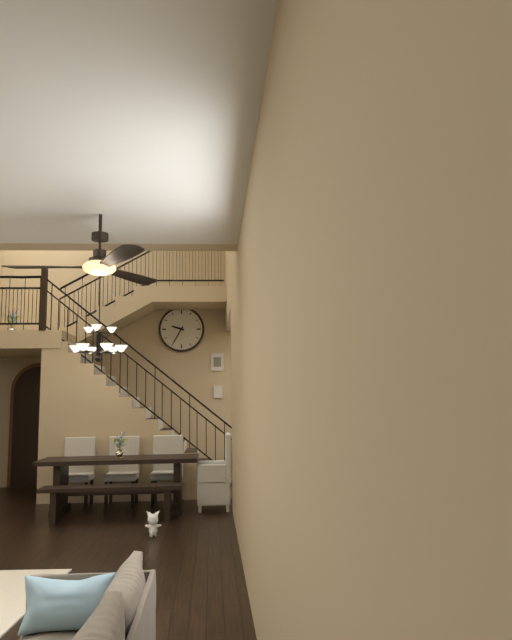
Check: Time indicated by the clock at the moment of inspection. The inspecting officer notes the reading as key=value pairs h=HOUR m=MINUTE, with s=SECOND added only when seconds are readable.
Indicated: h=9 m=35
